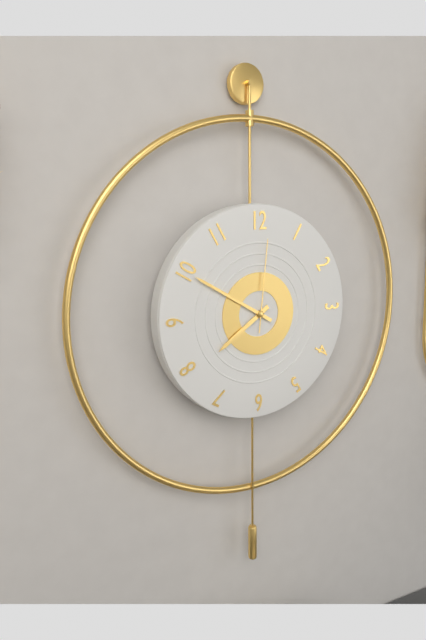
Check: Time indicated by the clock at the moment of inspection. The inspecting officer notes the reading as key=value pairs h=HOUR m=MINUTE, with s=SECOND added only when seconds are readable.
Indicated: h=7 m=50 s=1
